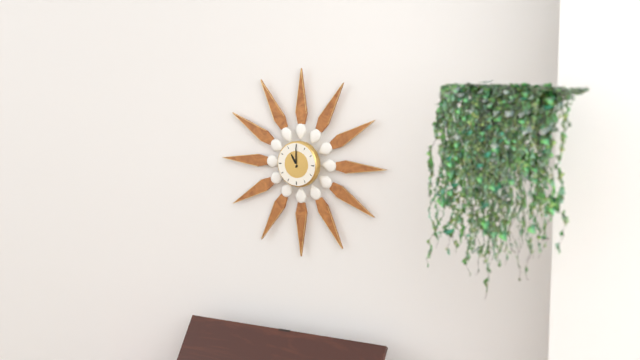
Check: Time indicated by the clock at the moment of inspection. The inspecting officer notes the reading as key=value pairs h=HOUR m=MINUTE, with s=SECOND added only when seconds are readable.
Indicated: h=11 m=0
